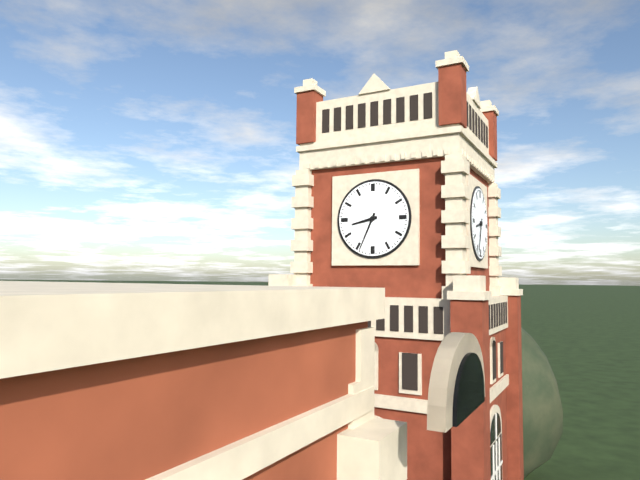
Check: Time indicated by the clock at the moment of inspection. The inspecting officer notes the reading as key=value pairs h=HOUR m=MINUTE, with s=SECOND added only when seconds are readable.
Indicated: h=8 m=34
